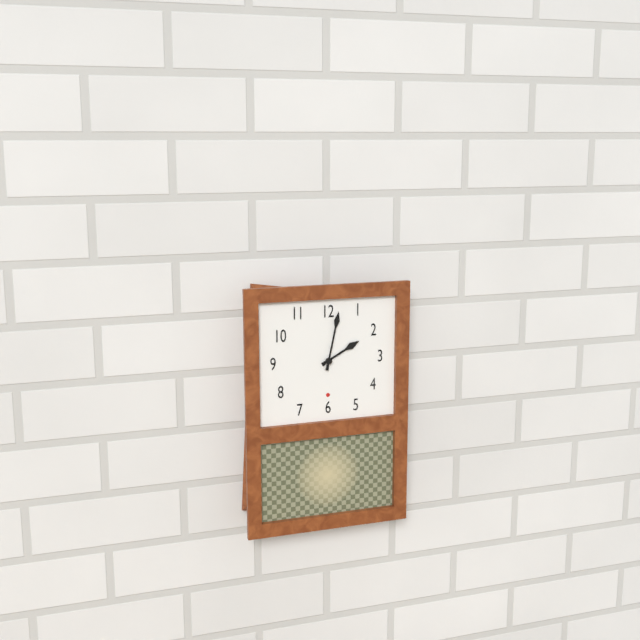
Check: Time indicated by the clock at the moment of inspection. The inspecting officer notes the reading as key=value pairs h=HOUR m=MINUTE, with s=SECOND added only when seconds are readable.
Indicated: h=2 m=2
